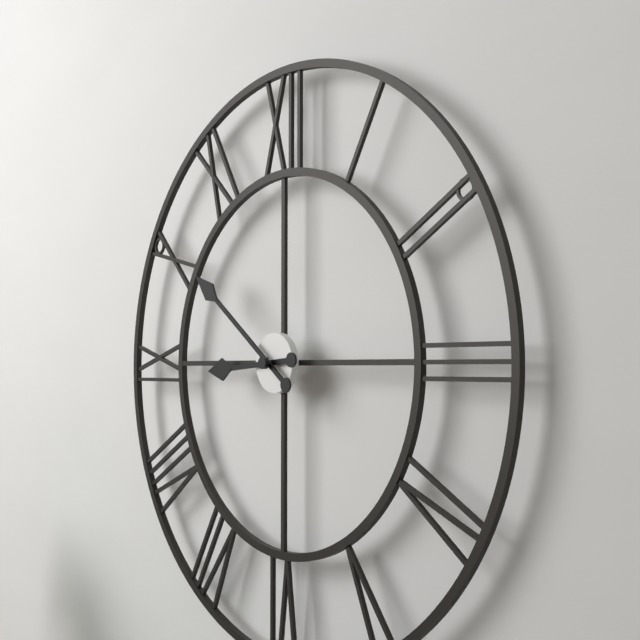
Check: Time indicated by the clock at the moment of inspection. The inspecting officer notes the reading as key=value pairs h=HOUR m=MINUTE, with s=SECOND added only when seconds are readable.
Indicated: h=8 m=51
